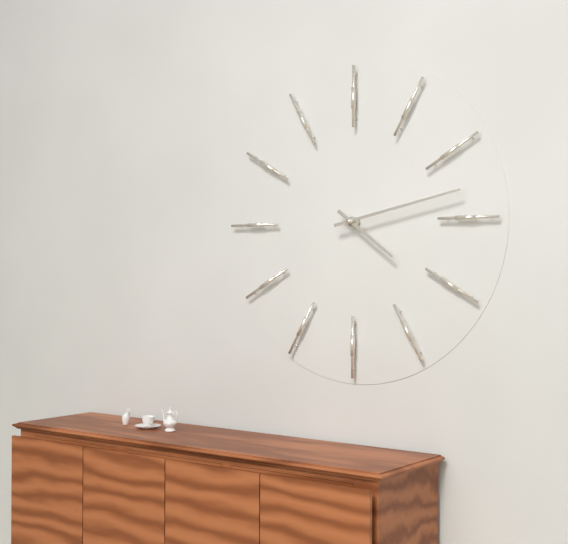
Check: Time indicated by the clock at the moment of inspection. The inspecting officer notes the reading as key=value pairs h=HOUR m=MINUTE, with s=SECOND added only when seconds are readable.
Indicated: h=4 m=13
